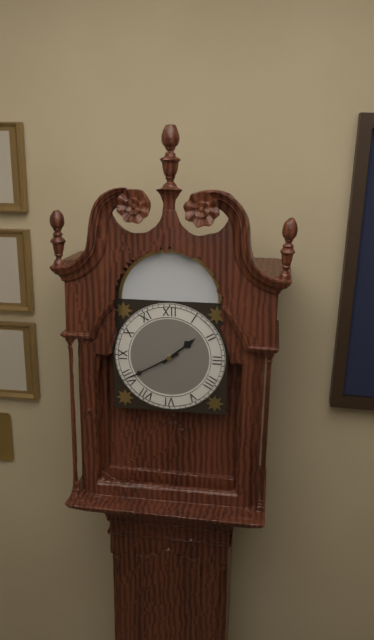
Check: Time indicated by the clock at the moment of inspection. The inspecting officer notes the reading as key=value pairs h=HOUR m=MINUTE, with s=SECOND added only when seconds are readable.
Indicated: h=1 m=40
